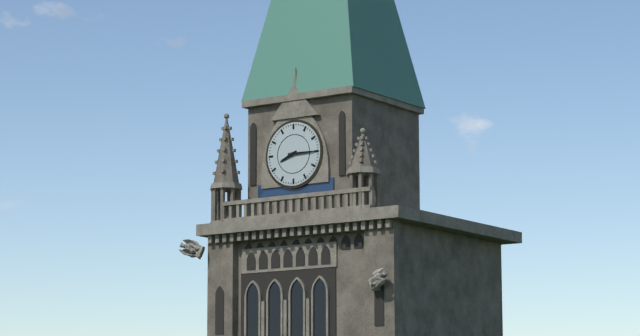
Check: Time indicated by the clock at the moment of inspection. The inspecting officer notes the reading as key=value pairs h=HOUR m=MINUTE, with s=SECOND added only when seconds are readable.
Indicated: h=8 m=15
